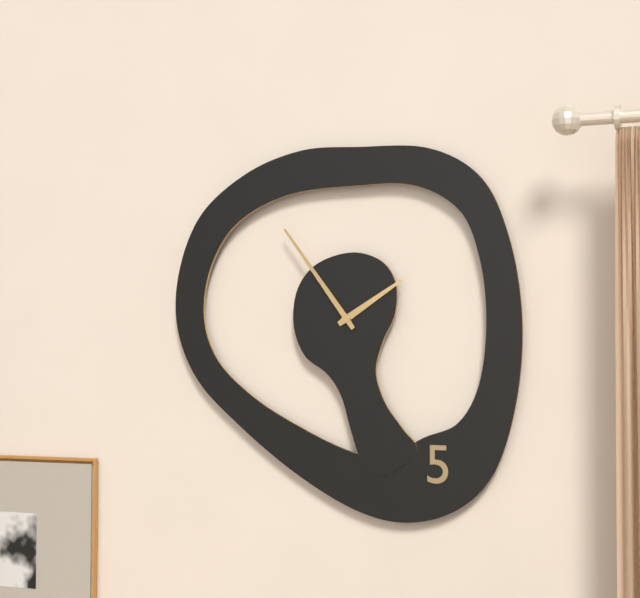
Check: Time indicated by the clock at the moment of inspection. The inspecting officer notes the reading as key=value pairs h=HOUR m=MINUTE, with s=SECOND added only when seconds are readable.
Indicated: h=1 m=54
